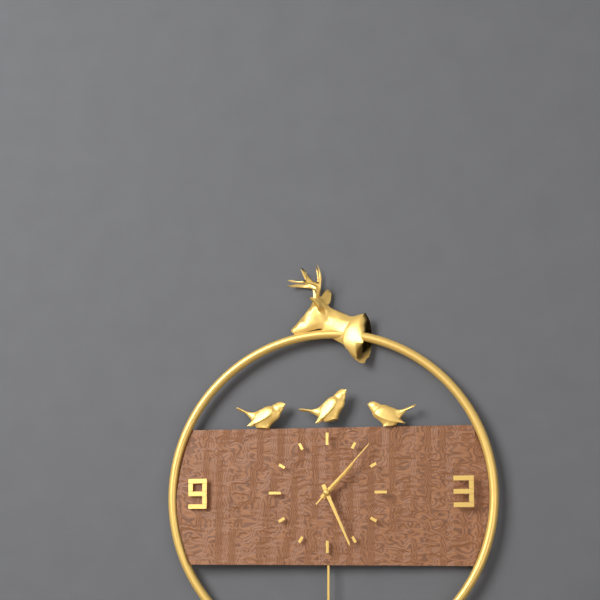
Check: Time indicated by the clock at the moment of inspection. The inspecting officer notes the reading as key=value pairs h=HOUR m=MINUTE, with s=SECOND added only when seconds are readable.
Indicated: h=1 m=26 s=7
